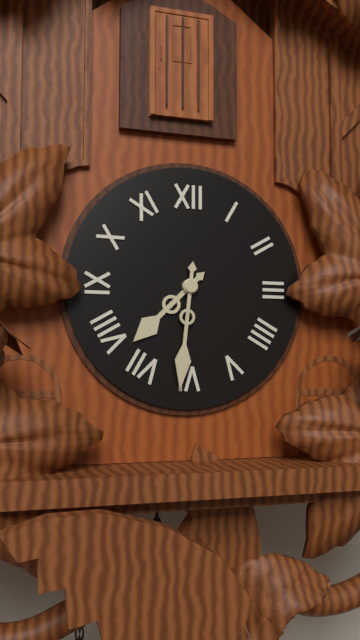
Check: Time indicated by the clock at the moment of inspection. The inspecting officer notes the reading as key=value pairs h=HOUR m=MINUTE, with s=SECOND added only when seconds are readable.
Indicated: h=7 m=31
